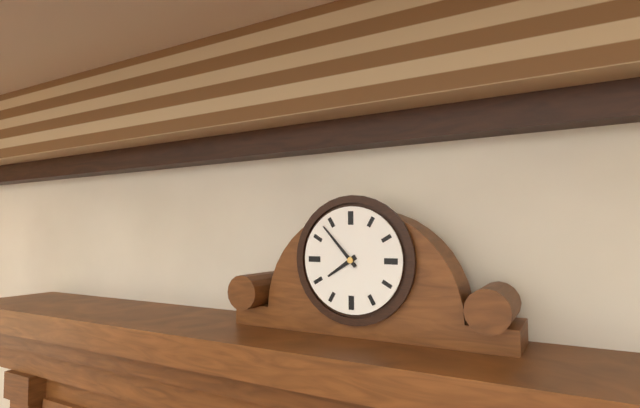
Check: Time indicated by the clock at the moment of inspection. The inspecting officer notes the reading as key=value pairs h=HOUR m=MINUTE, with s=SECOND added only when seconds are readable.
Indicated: h=7 m=53
